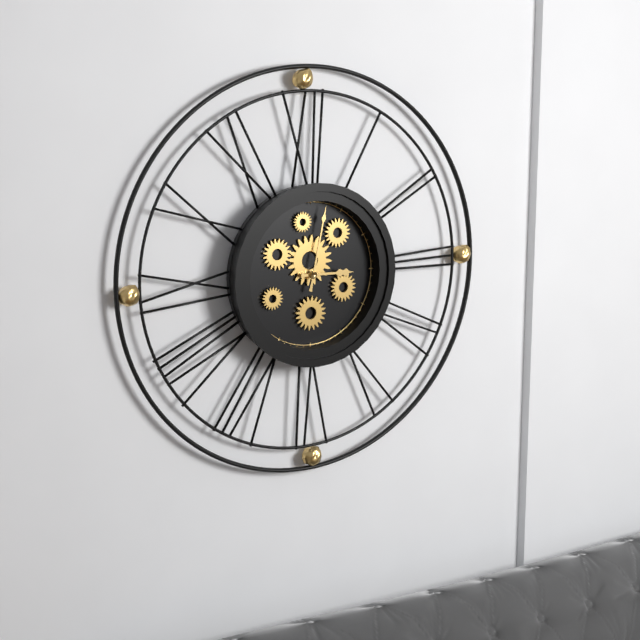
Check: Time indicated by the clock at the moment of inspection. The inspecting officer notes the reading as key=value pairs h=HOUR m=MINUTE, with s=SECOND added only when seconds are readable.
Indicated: h=3 m=2
